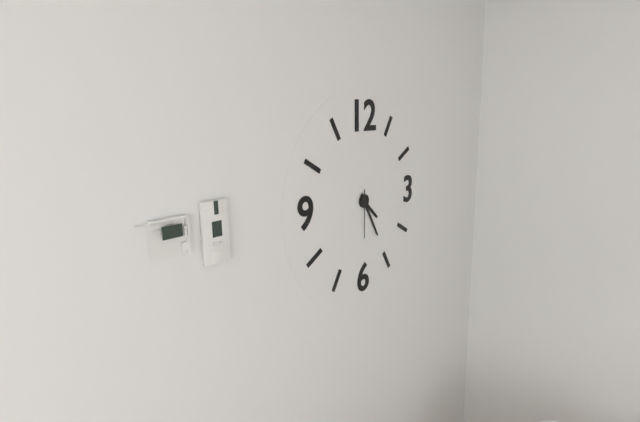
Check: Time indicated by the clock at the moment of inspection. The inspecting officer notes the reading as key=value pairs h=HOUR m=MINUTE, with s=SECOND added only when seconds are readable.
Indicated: h=4 m=25
